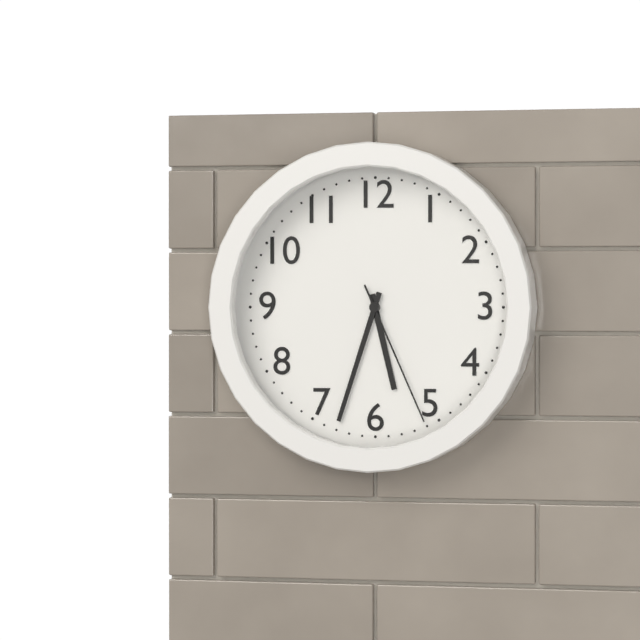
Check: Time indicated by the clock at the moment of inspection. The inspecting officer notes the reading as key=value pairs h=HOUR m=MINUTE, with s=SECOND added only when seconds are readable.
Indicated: h=5 m=33 s=26
